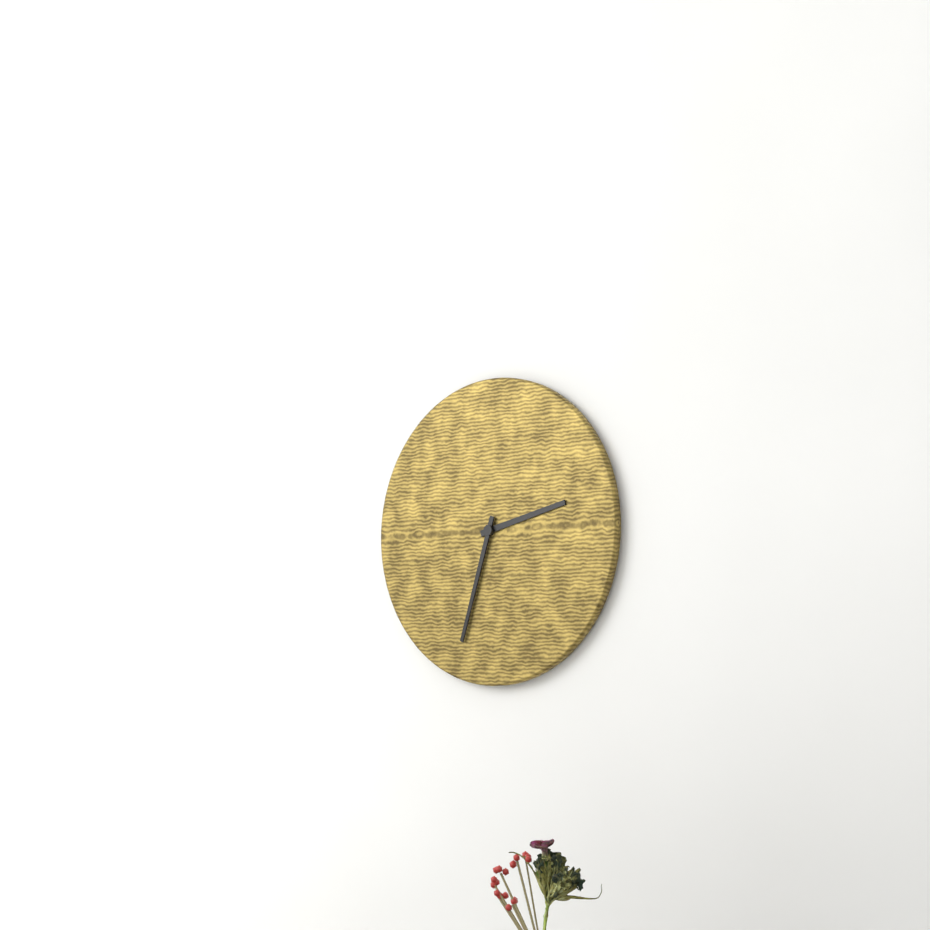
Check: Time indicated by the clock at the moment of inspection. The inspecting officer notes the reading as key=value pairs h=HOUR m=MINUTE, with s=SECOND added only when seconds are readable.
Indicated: h=2 m=33
